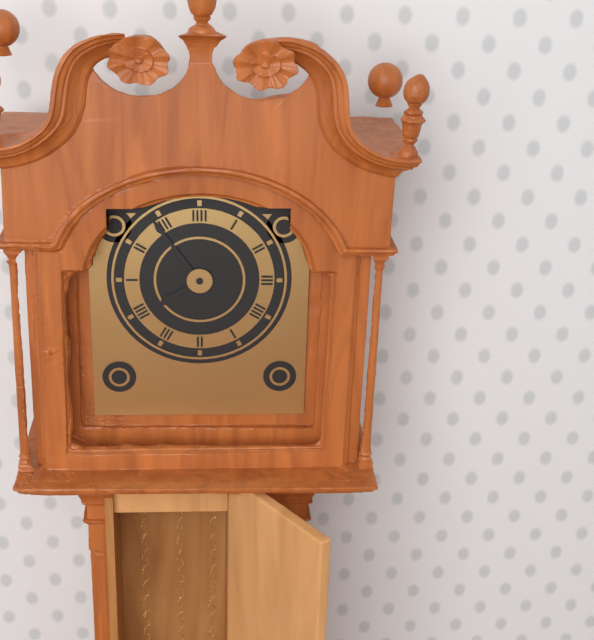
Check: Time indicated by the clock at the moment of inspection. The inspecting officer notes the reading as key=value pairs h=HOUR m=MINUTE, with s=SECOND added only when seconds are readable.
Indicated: h=7 m=54
